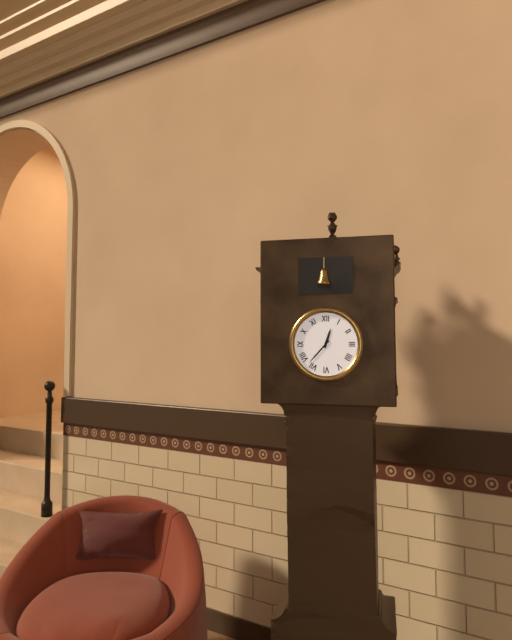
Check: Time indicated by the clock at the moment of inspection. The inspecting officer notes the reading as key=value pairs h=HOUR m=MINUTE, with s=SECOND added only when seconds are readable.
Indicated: h=12 m=37
